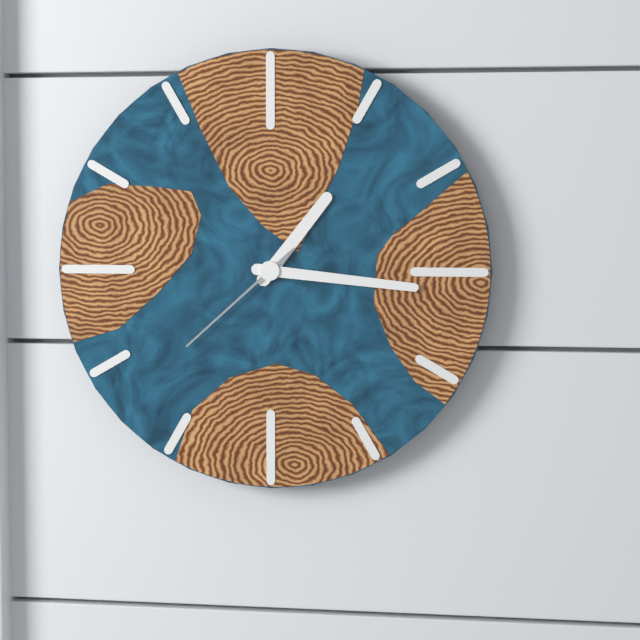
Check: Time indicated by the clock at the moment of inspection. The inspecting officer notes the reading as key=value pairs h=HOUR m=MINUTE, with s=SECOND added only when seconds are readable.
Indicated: h=1 m=16 s=38
